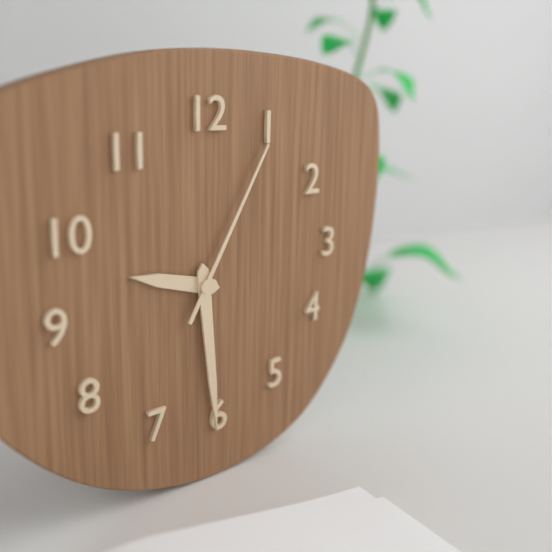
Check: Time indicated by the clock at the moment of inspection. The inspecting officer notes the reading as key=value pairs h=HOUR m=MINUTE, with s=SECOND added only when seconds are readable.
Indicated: h=9 m=29 s=5
